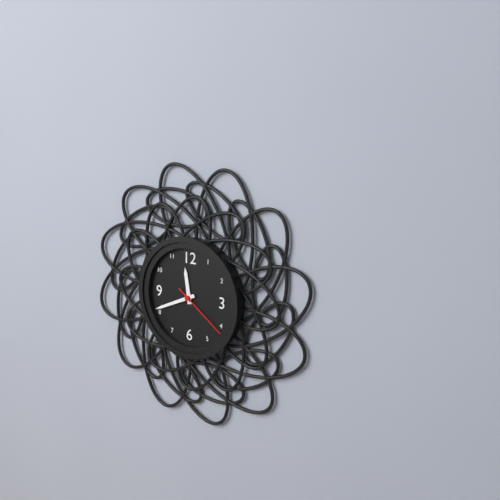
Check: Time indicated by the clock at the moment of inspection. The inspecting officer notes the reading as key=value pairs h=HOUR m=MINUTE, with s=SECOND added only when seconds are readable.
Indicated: h=11 m=41 s=21
